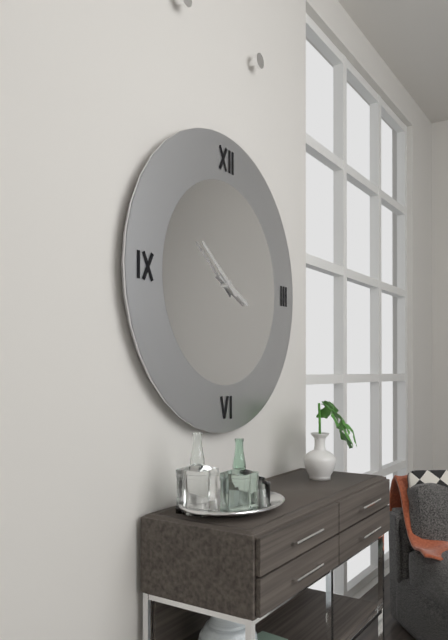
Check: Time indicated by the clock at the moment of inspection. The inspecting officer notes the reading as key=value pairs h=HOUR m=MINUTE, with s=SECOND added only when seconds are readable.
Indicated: h=3 m=51
